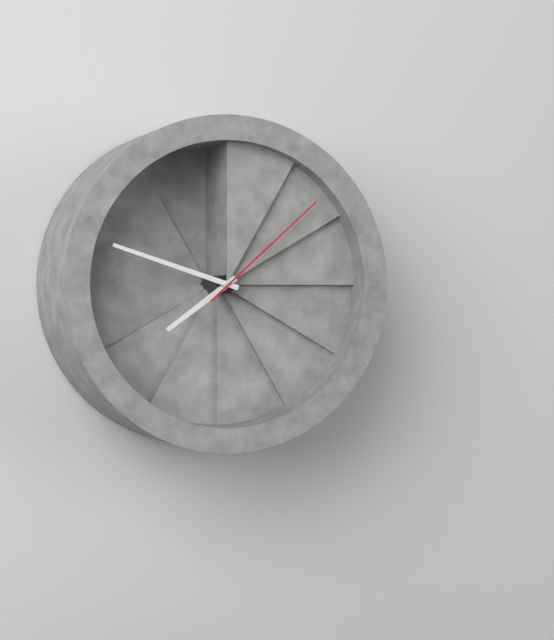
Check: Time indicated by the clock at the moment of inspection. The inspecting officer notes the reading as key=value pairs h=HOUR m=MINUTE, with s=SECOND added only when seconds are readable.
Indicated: h=7 m=48 s=8
